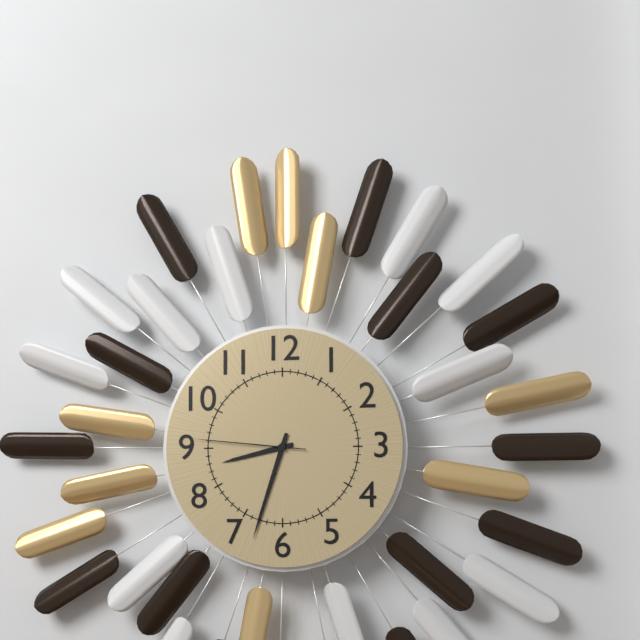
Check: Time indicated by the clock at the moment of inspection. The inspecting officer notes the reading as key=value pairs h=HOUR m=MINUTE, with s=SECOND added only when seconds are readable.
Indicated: h=8 m=33 s=46
